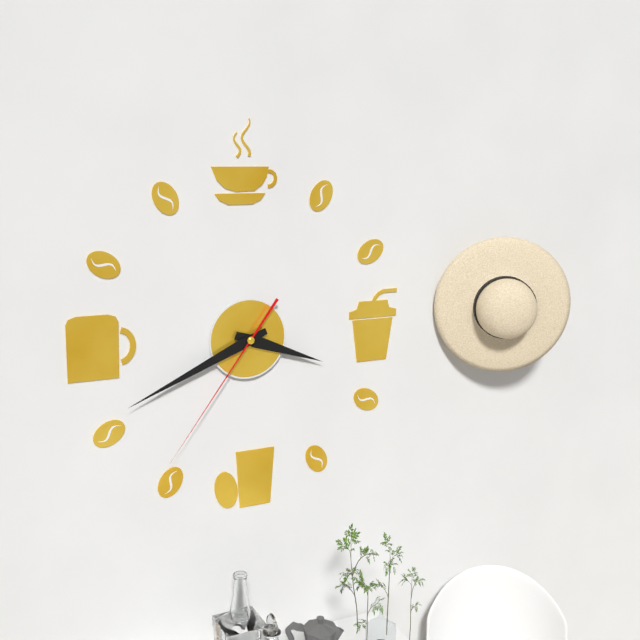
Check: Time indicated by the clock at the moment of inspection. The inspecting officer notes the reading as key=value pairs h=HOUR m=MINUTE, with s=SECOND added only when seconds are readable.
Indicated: h=3 m=41 s=36
